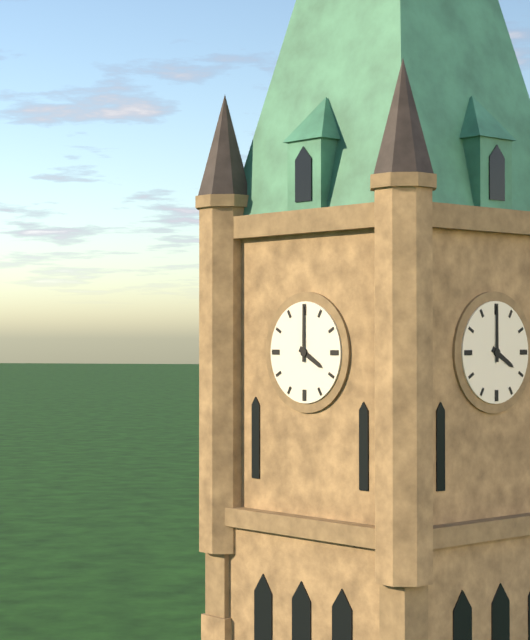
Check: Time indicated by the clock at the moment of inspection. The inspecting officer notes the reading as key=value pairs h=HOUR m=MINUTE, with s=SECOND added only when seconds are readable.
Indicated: h=4 m=0
